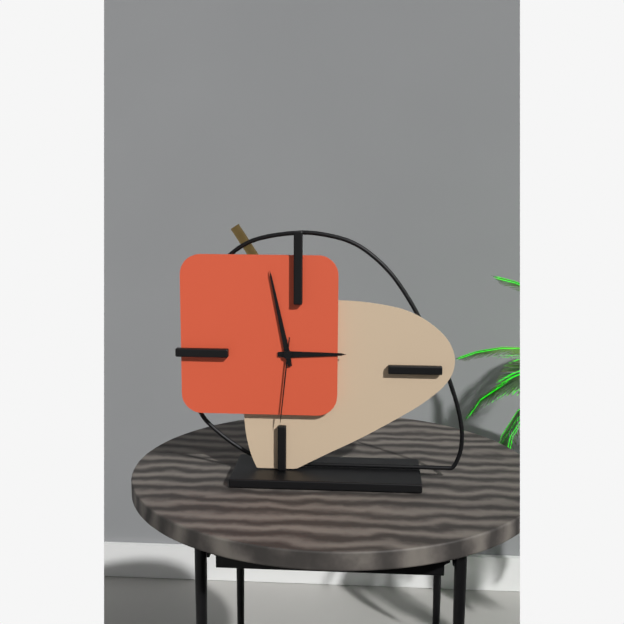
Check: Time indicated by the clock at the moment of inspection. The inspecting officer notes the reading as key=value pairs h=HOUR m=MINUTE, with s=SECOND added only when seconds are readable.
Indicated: h=2 m=58 s=31
